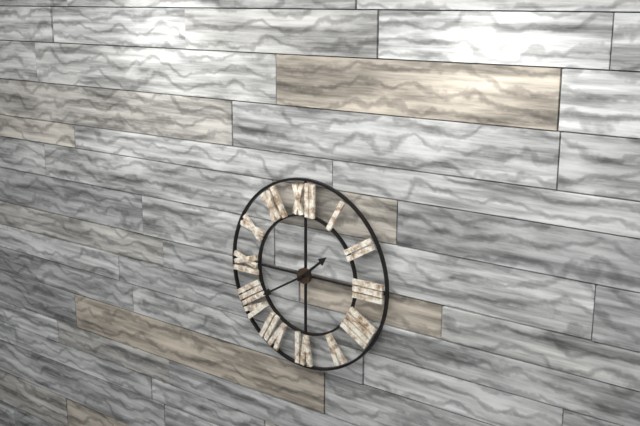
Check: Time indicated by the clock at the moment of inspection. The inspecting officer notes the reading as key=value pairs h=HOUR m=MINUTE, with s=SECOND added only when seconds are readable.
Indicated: h=1 m=40
